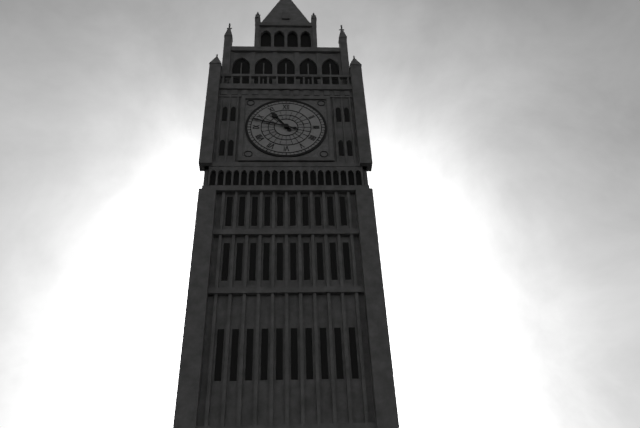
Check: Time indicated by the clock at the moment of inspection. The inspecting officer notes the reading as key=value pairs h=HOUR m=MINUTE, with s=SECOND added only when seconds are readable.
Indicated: h=10 m=48
